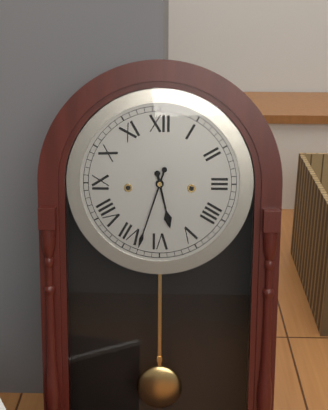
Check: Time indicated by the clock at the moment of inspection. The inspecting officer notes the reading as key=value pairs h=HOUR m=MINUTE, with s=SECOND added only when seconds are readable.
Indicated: h=5 m=33
